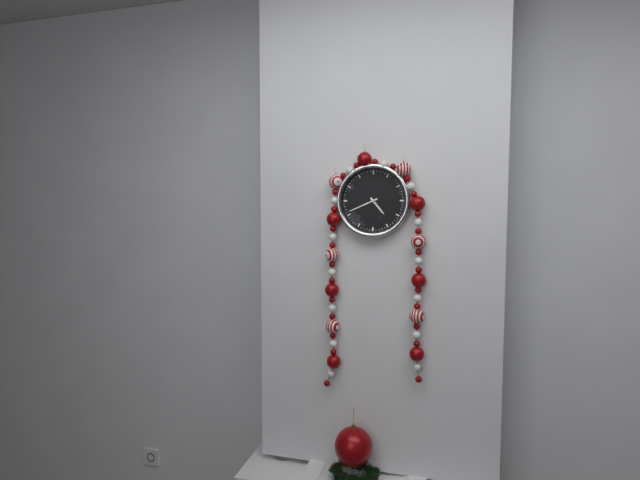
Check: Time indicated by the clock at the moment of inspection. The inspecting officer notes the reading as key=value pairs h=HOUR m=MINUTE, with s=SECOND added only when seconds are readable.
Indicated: h=4 m=41
